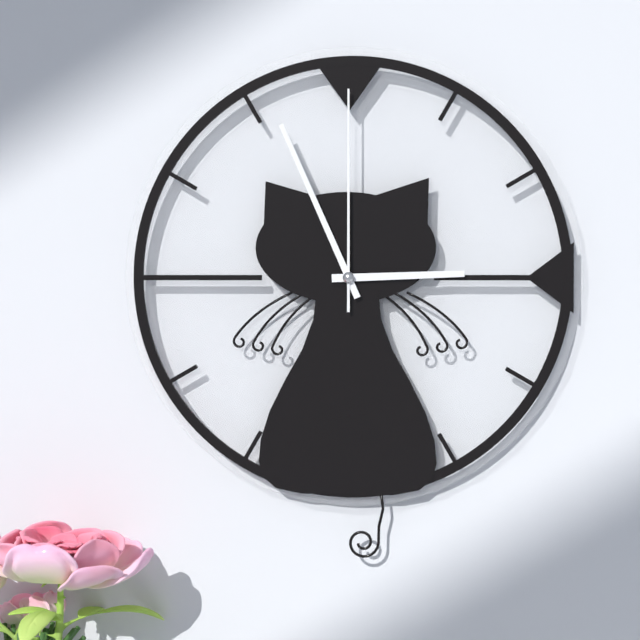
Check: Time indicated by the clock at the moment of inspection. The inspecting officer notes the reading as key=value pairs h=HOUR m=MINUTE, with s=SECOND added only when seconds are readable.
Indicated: h=2 m=56 s=0
